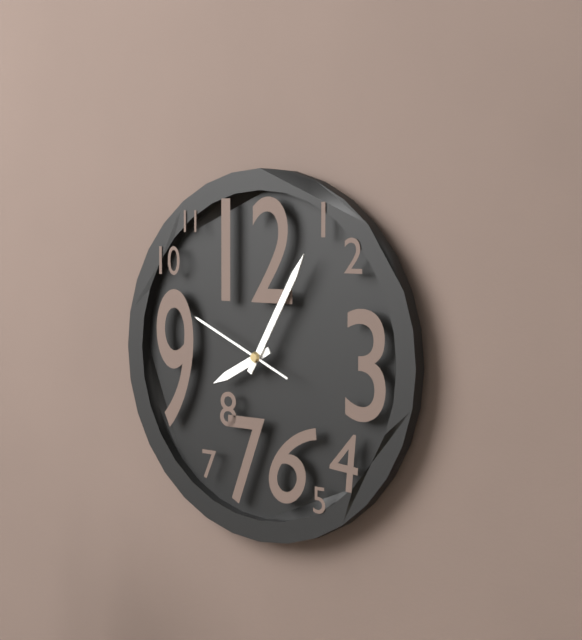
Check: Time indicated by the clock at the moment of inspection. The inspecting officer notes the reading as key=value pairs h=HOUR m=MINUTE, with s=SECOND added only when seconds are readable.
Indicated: h=8 m=5 s=49
